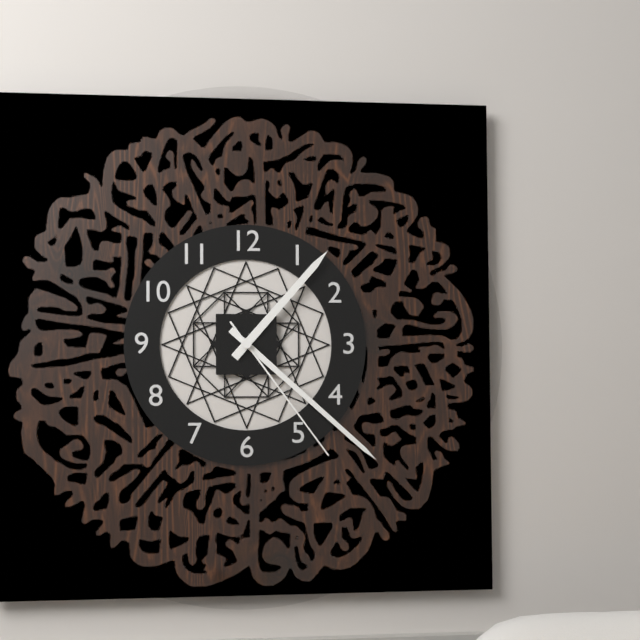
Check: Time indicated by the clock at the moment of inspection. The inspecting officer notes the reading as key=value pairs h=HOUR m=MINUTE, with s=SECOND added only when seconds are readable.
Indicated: h=1 m=22 s=24
